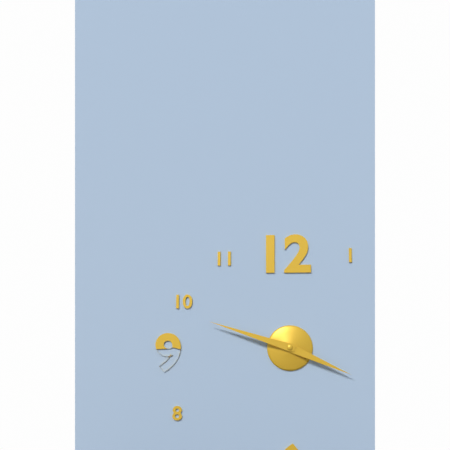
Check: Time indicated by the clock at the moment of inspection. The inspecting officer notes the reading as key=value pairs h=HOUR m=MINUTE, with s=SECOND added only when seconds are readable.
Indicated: h=3 m=48
